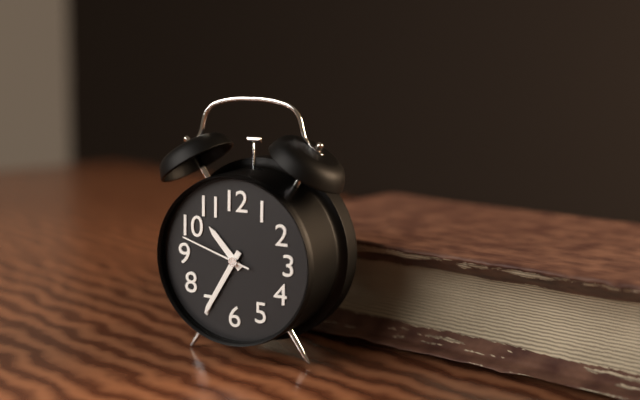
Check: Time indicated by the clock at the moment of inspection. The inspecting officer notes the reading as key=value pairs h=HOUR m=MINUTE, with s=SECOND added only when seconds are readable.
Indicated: h=10 m=35 s=48
